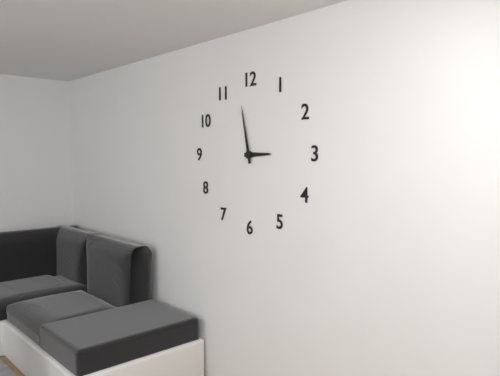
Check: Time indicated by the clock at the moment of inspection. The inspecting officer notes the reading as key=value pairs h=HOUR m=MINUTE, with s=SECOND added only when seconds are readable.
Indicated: h=2 m=58
